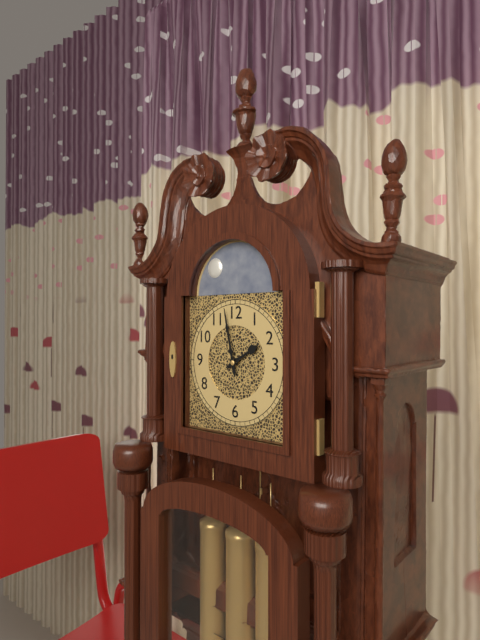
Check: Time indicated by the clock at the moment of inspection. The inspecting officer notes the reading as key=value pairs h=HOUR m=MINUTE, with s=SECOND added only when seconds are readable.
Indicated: h=1 m=58
